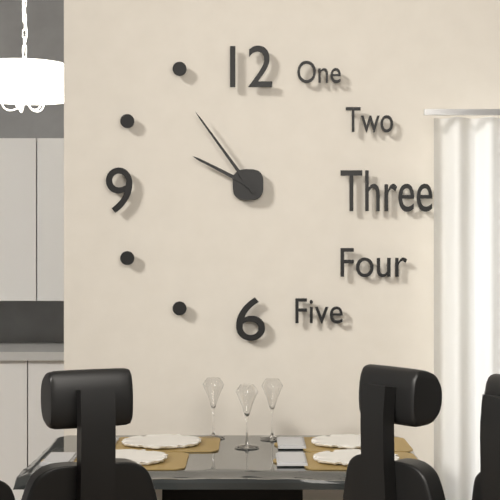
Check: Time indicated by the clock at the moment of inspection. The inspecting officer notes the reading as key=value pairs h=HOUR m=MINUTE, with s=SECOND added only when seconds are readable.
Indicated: h=9 m=54
